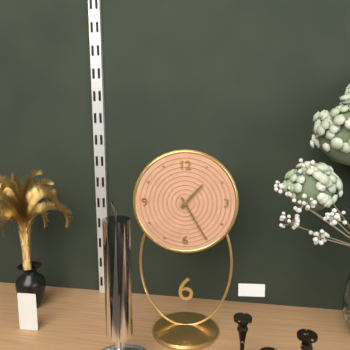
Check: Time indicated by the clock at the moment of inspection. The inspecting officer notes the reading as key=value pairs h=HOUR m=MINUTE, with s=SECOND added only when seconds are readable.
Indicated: h=1 m=25
